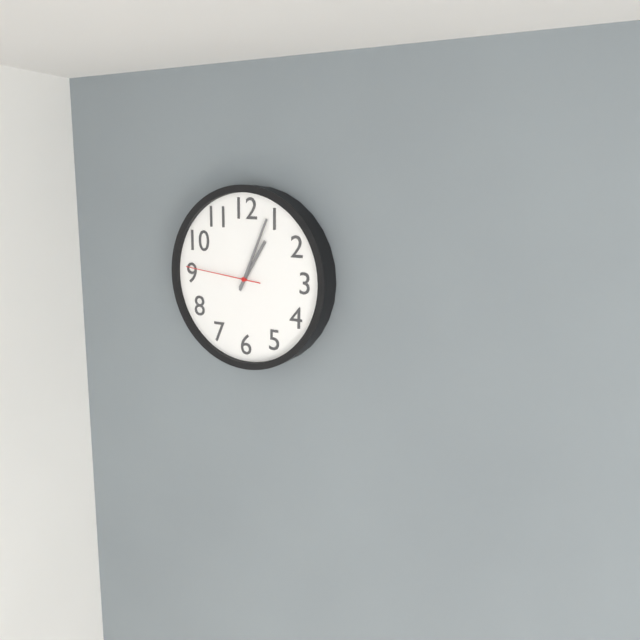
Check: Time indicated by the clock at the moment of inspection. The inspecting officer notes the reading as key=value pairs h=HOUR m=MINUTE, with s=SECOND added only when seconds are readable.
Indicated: h=1 m=4 s=46
